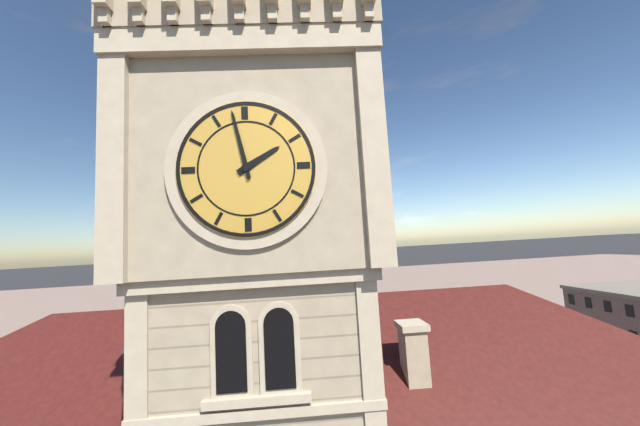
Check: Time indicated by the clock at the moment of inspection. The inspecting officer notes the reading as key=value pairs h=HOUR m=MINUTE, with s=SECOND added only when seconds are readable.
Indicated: h=1 m=58
